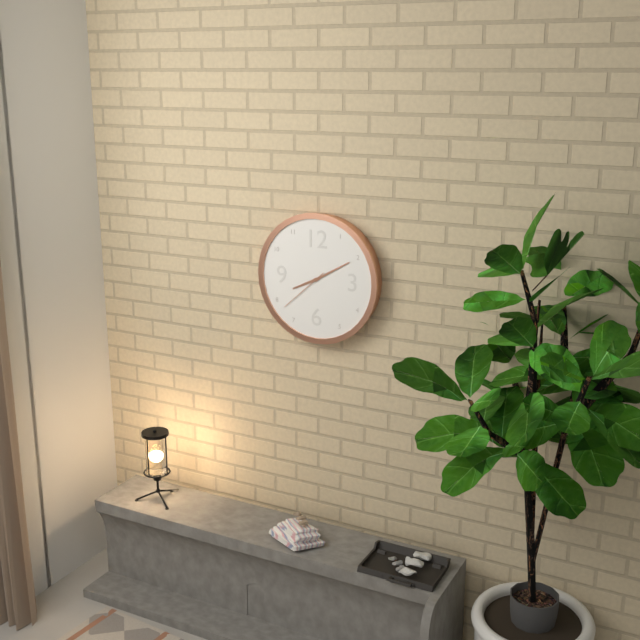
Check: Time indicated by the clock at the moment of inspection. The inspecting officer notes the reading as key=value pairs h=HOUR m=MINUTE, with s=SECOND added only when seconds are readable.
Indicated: h=8 m=10 s=38
